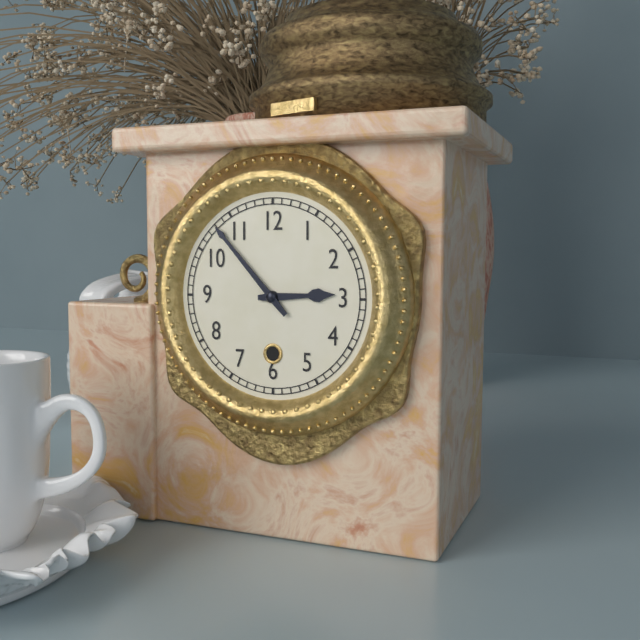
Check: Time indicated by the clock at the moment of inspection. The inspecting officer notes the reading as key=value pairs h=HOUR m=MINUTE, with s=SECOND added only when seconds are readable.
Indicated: h=2 m=53
